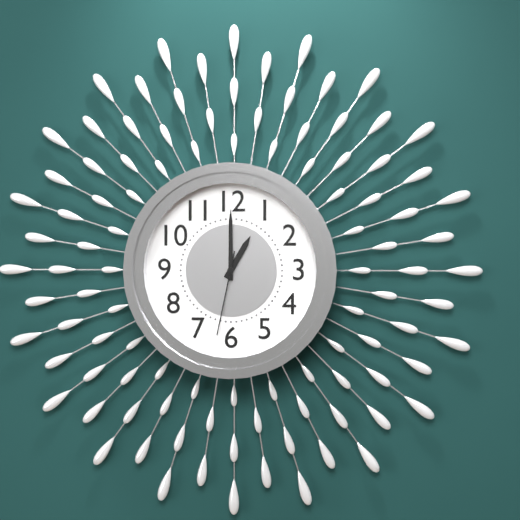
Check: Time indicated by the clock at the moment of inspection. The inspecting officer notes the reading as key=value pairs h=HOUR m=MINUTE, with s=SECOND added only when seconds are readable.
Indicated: h=1 m=0 s=32
